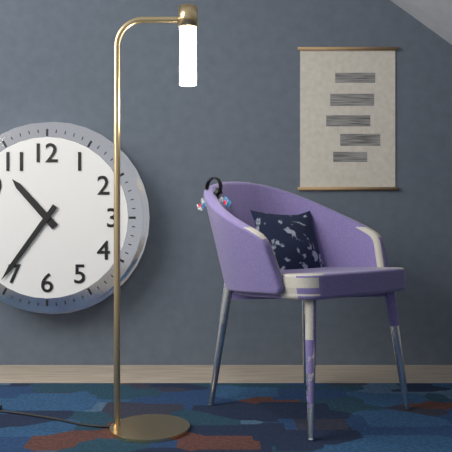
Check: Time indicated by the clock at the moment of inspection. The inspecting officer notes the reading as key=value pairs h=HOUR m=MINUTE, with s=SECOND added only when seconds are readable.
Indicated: h=10 m=36
